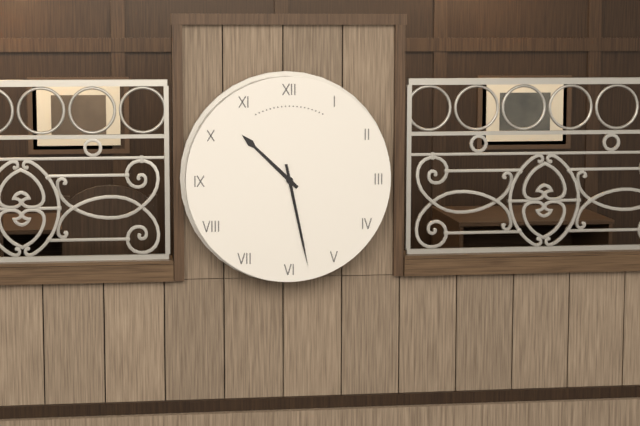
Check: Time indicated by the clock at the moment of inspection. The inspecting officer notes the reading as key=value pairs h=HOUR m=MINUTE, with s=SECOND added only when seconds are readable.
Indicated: h=10 m=28
